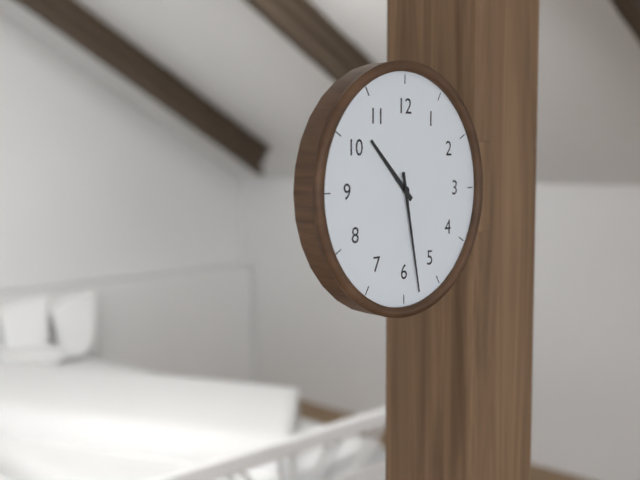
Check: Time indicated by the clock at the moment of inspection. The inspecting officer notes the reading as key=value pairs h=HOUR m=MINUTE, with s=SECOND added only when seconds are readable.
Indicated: h=10 m=28
